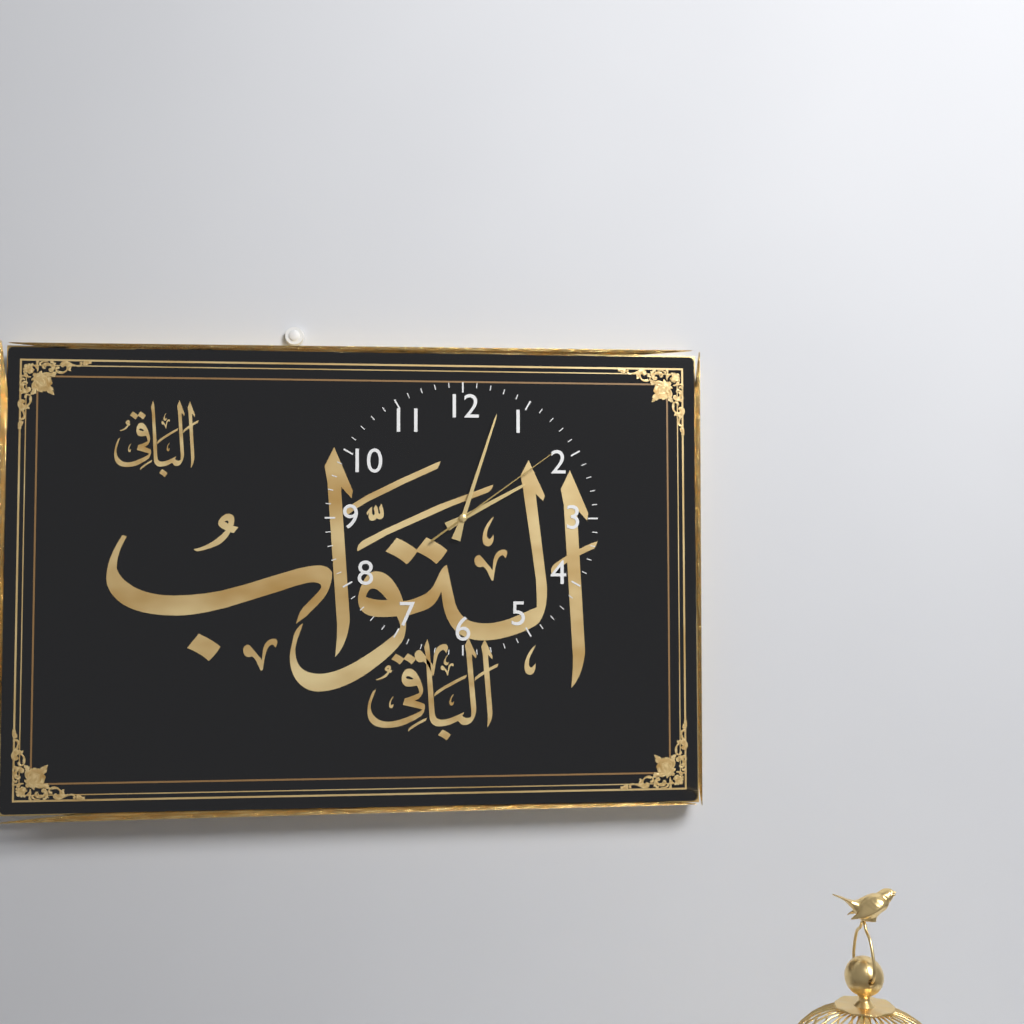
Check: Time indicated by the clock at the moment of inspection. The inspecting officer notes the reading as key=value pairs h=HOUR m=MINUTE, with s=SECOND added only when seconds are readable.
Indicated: h=2 m=3 s=9
